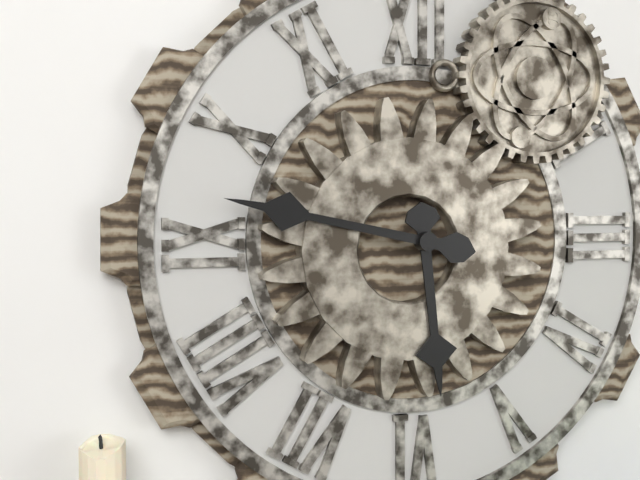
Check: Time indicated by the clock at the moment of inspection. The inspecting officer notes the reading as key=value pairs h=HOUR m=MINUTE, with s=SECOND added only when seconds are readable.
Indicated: h=5 m=47
